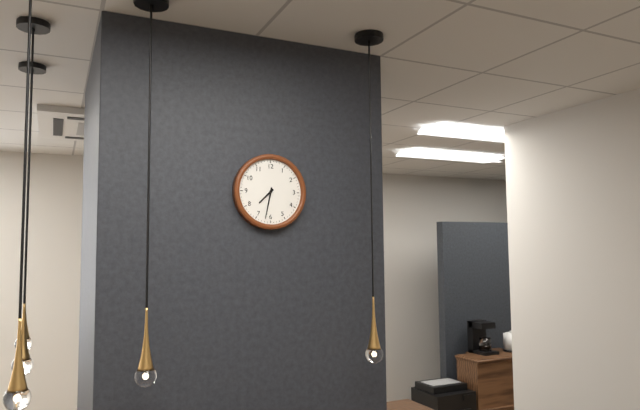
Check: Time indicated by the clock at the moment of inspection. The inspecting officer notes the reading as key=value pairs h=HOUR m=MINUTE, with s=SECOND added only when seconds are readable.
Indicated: h=7 m=32
